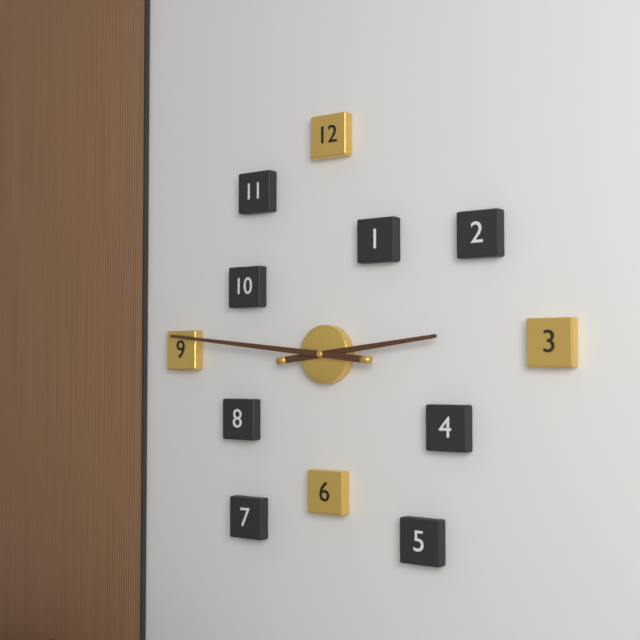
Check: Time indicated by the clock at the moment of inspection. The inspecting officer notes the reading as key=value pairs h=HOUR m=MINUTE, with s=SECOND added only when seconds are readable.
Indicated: h=2 m=46
